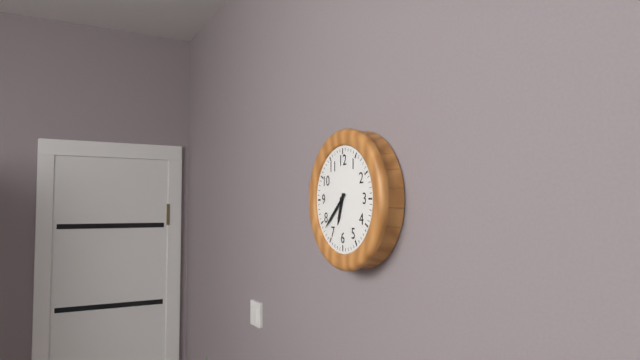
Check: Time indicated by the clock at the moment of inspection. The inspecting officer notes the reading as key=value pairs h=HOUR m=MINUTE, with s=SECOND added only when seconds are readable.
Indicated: h=6 m=38
